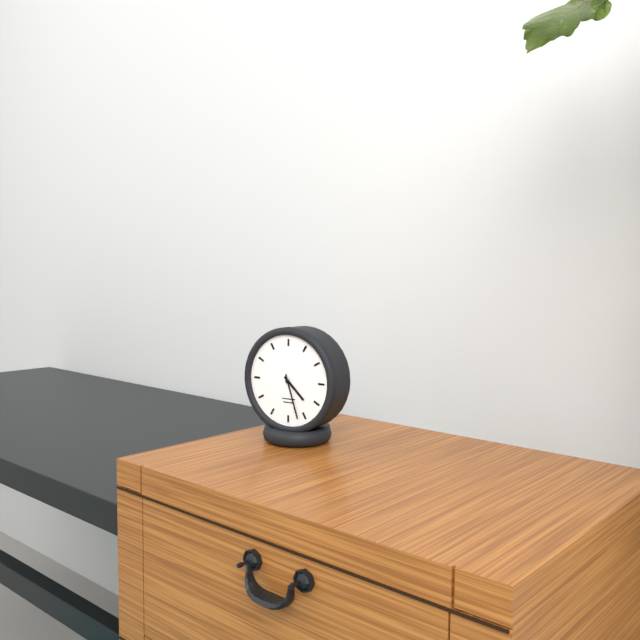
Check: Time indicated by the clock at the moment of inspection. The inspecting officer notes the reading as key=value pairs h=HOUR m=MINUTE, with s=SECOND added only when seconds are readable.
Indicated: h=4 m=27
